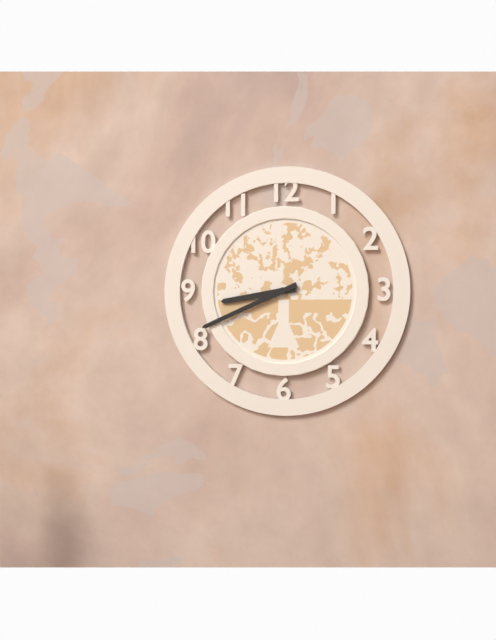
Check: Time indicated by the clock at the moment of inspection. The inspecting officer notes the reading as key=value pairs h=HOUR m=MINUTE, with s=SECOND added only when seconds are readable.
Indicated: h=8 m=41
